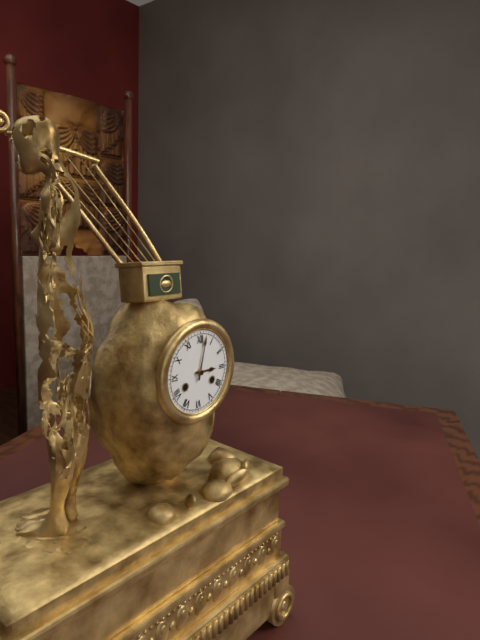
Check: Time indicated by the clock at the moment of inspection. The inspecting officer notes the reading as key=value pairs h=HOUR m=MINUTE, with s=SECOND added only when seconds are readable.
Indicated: h=3 m=2
